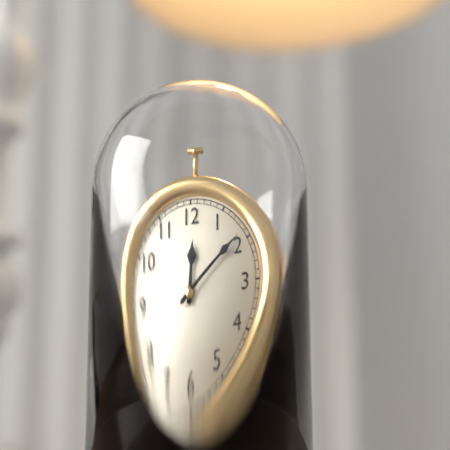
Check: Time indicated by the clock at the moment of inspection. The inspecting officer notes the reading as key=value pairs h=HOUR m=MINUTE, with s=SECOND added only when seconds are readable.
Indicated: h=12 m=9
